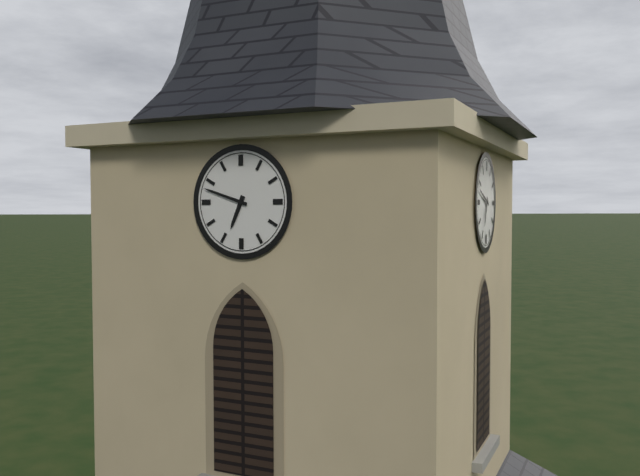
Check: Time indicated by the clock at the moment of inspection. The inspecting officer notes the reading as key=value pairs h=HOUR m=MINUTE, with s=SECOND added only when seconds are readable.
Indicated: h=6 m=48
